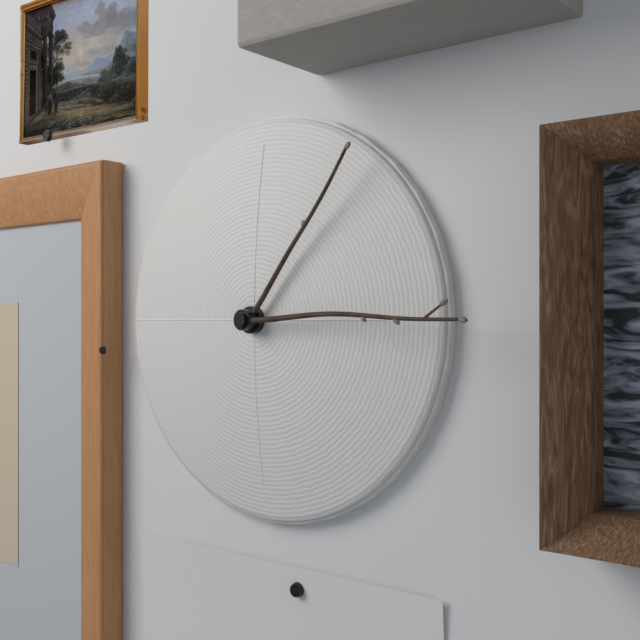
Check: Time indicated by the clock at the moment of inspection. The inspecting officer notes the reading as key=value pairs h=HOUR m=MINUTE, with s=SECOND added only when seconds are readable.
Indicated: h=1 m=15
